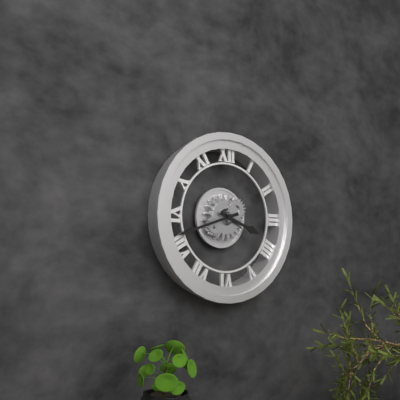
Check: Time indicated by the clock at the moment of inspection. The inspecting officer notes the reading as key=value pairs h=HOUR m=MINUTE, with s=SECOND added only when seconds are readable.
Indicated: h=3 m=42
